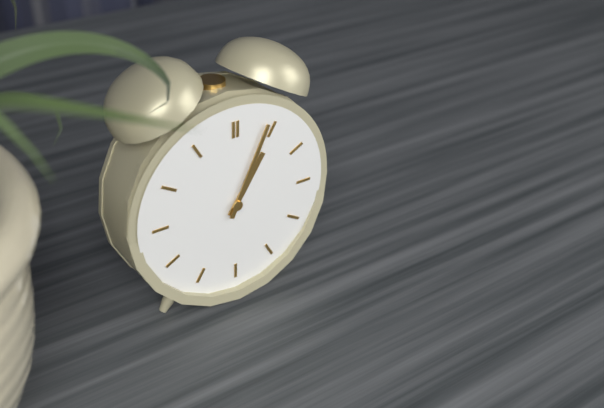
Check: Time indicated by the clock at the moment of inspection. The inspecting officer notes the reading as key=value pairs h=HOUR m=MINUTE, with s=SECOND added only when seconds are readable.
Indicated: h=1 m=4
